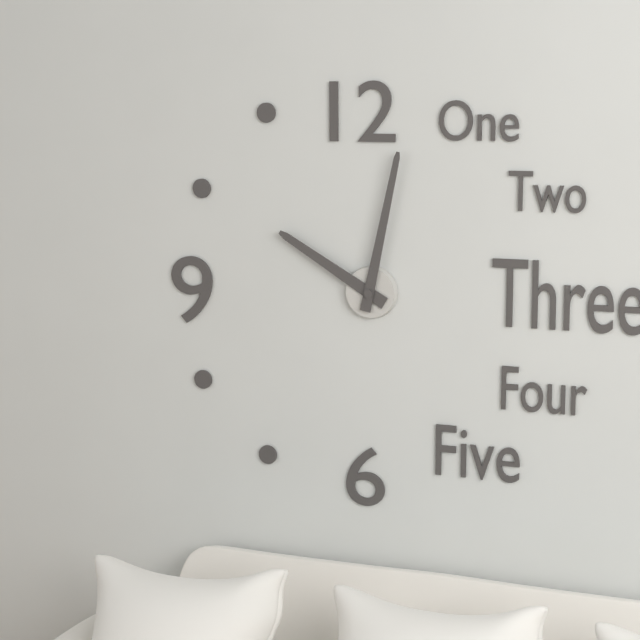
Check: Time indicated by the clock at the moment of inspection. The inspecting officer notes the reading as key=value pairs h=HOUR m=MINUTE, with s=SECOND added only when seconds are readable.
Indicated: h=10 m=2
